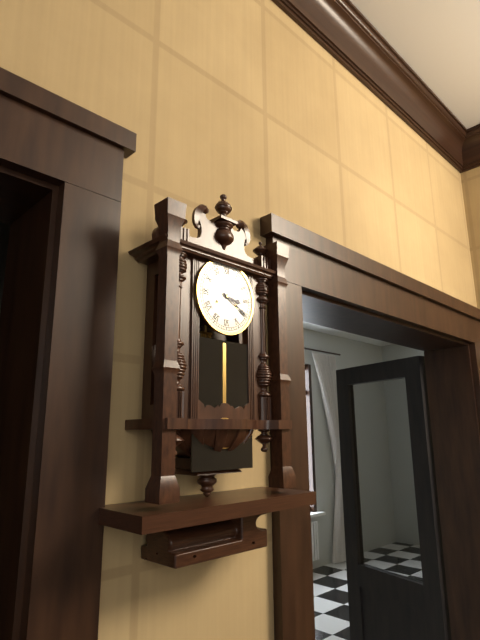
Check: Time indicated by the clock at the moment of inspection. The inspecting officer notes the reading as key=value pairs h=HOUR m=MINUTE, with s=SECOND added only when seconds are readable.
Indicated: h=3 m=20
